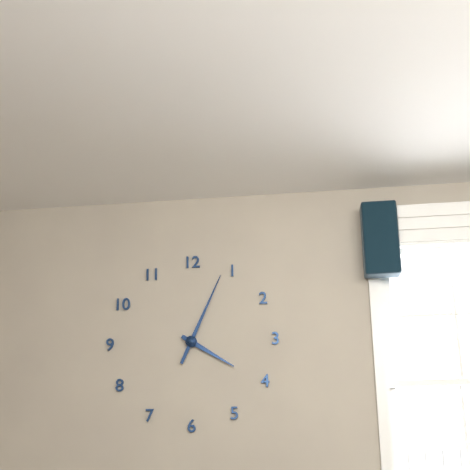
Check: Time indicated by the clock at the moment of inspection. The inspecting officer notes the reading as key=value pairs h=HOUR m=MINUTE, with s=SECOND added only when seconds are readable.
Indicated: h=4 m=4
